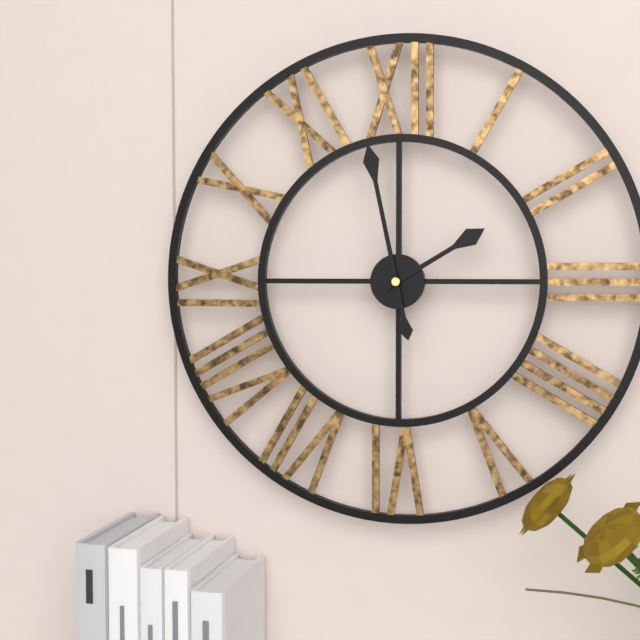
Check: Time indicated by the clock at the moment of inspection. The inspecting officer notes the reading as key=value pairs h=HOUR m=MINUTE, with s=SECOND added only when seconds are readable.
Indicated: h=1 m=58
